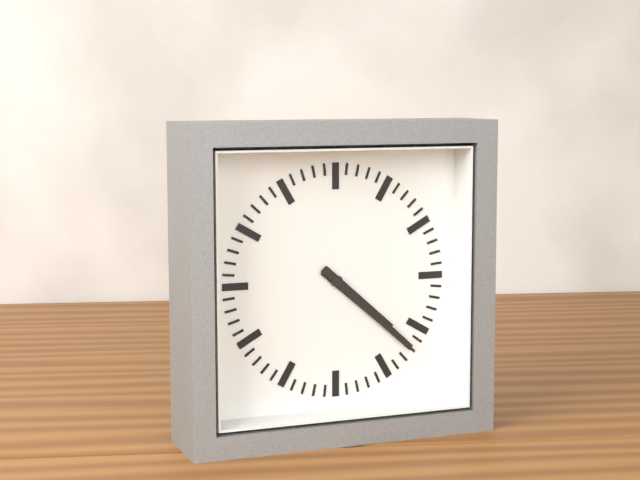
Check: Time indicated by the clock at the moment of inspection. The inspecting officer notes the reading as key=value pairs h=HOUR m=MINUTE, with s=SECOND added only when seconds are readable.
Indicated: h=4 m=22
